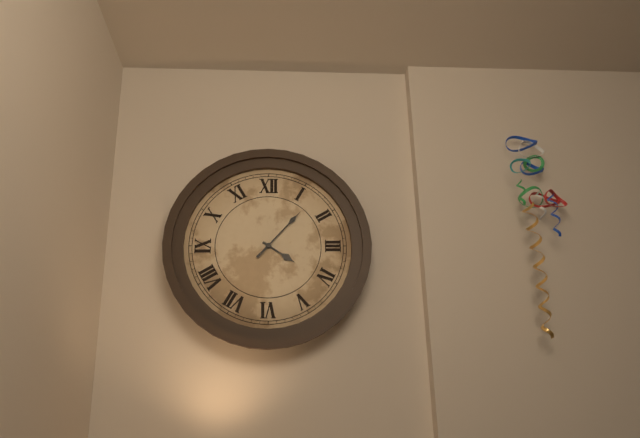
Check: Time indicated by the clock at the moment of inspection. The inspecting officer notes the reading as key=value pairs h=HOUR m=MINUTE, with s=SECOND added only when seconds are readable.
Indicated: h=4 m=7
